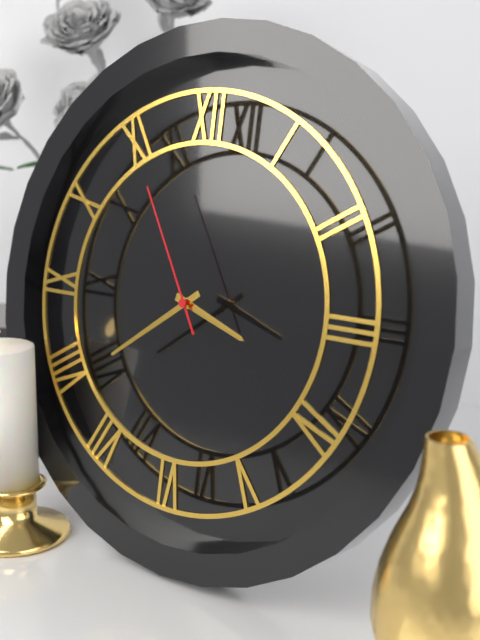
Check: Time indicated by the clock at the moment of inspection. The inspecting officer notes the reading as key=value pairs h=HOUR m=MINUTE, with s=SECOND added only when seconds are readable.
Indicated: h=3 m=39 s=55
